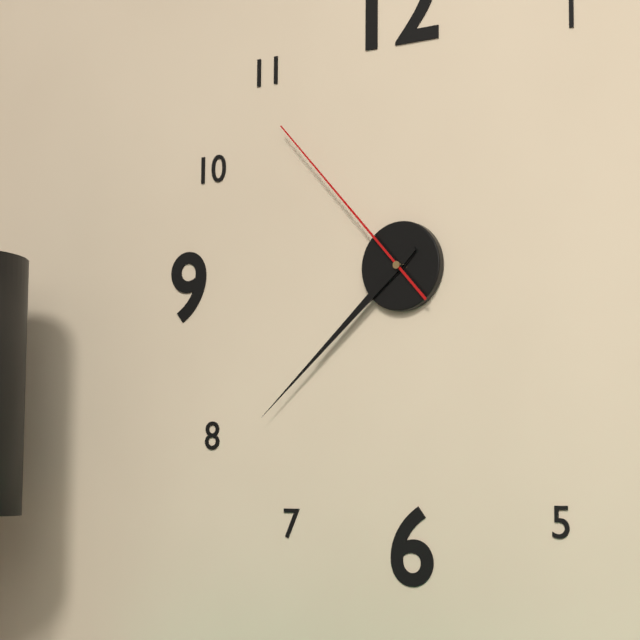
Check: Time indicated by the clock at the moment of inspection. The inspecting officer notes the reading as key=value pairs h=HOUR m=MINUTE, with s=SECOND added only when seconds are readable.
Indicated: h=7 m=38 s=53
